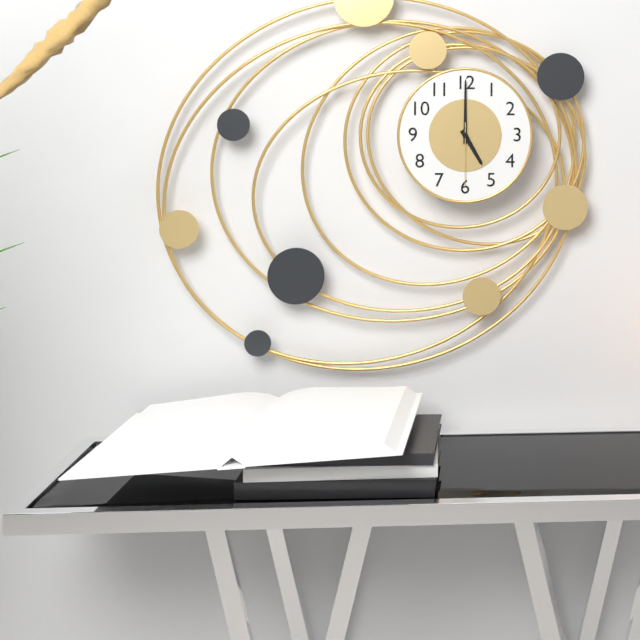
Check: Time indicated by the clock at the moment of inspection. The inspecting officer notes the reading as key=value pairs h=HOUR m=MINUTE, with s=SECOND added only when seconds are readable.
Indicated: h=5 m=0 s=30
